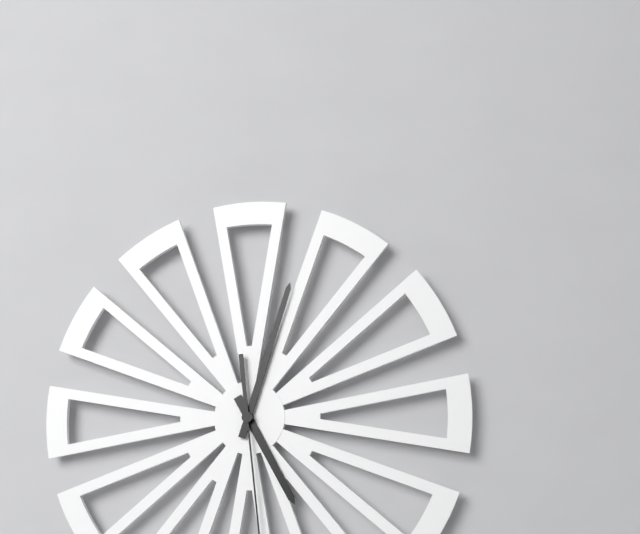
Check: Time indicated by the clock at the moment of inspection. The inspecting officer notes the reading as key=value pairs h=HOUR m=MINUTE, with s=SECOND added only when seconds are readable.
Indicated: h=5 m=3
